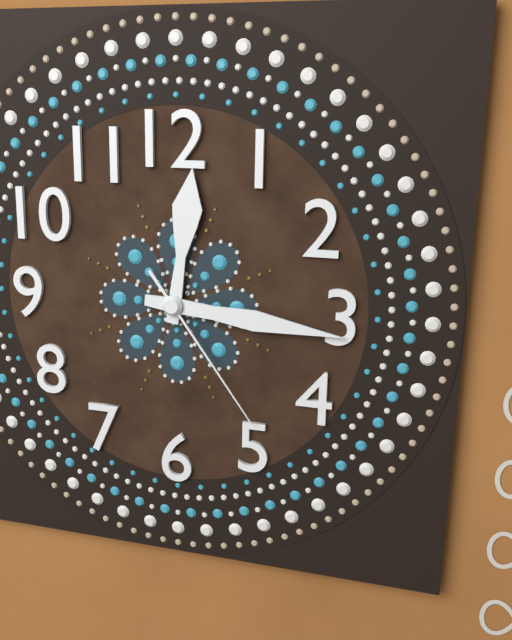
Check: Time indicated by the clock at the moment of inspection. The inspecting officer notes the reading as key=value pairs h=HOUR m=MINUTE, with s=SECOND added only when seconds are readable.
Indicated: h=12 m=16 s=24
